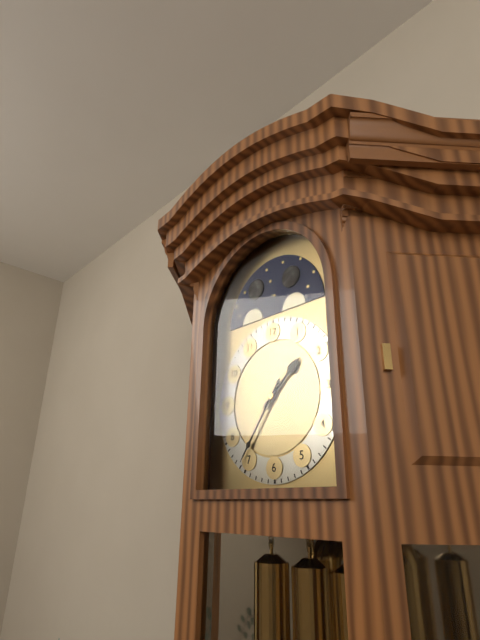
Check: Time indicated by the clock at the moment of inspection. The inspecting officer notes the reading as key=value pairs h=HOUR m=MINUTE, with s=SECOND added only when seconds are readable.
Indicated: h=1 m=36
